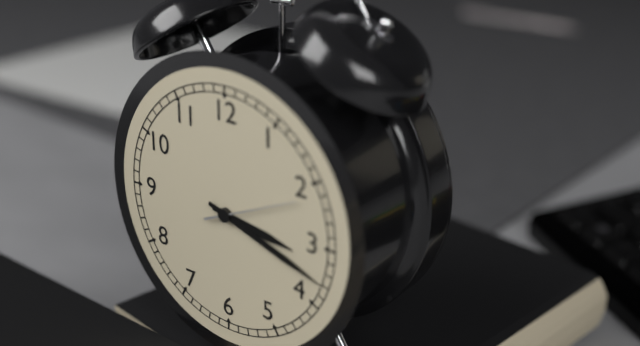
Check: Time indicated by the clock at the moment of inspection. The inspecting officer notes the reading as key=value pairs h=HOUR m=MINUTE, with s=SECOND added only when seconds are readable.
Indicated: h=3 m=18
